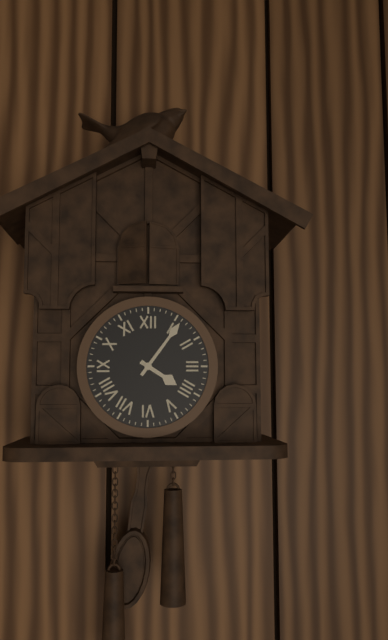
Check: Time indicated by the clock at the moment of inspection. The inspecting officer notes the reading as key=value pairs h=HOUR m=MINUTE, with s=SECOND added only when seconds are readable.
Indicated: h=4 m=6
